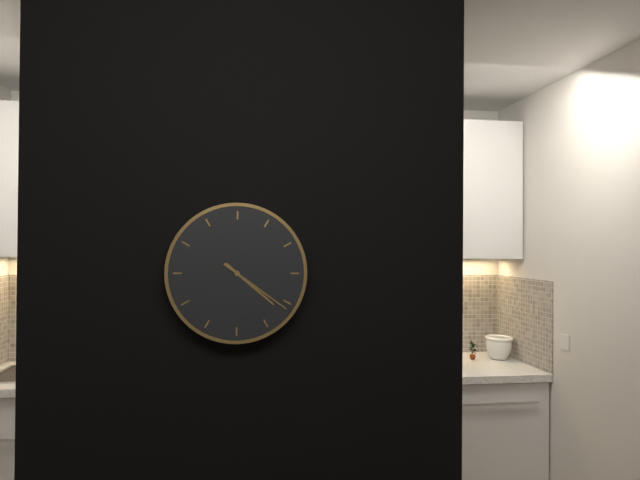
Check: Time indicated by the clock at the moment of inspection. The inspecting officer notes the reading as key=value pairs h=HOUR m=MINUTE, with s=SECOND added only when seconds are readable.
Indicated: h=4 m=21
